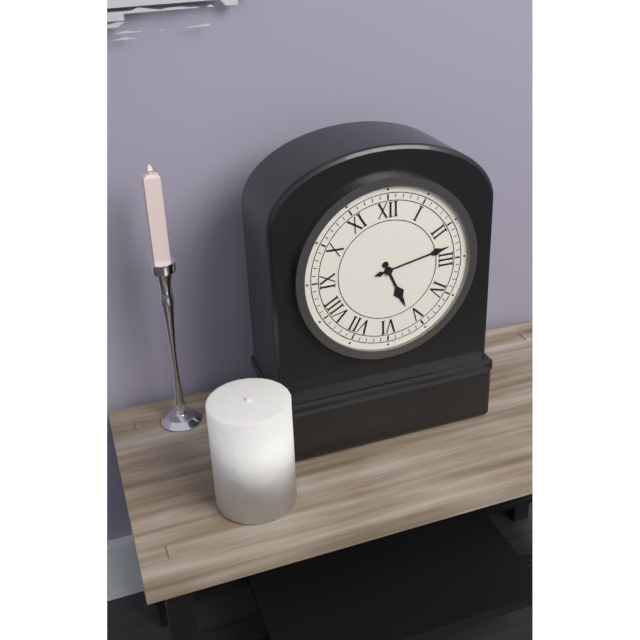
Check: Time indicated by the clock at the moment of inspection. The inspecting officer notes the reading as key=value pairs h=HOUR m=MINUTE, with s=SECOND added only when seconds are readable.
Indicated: h=5 m=13
